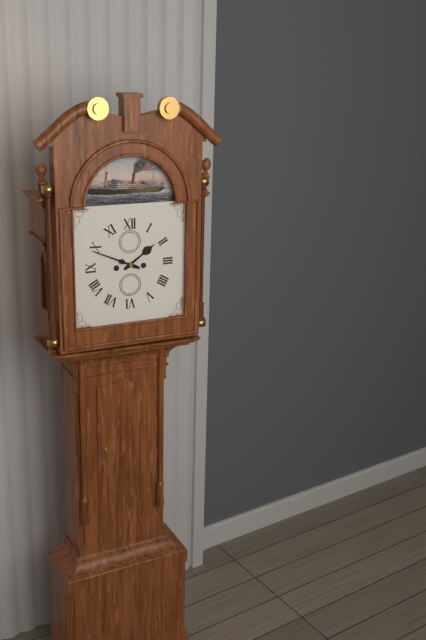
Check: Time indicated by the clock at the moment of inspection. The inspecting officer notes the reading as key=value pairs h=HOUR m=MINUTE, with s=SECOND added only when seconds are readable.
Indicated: h=1 m=49
